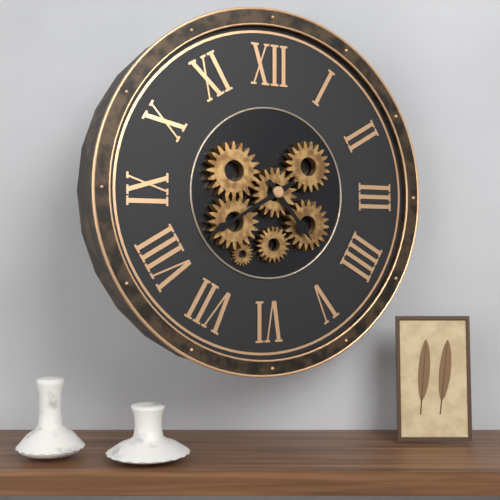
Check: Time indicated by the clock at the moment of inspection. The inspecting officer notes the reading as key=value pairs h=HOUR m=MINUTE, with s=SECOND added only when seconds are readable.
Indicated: h=4 m=40
